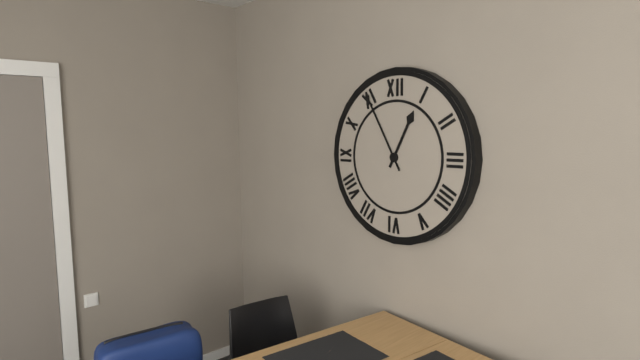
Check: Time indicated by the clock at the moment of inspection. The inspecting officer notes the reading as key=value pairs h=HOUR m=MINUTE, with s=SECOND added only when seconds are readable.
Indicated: h=12 m=55
